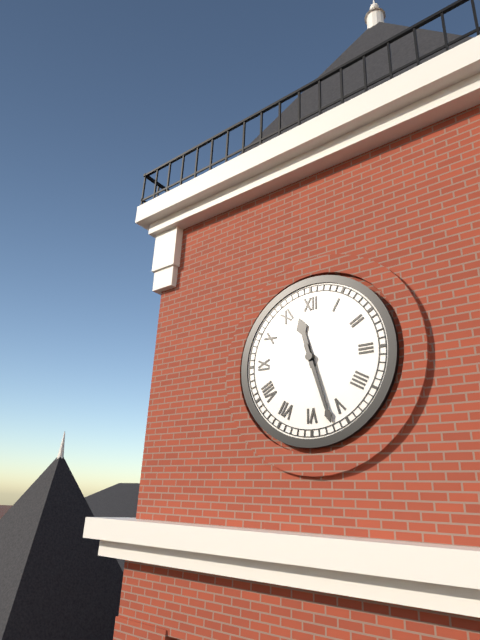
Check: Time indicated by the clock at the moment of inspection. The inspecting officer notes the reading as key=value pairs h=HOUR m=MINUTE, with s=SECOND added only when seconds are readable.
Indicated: h=11 m=27
